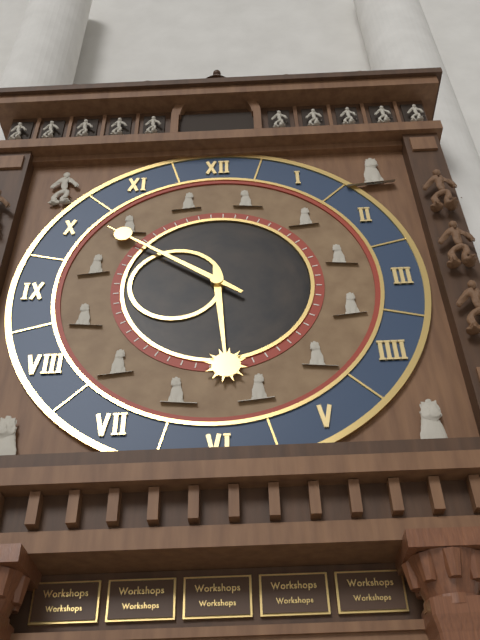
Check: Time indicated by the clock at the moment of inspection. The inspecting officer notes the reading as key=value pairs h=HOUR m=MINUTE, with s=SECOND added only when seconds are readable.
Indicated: h=5 m=51
